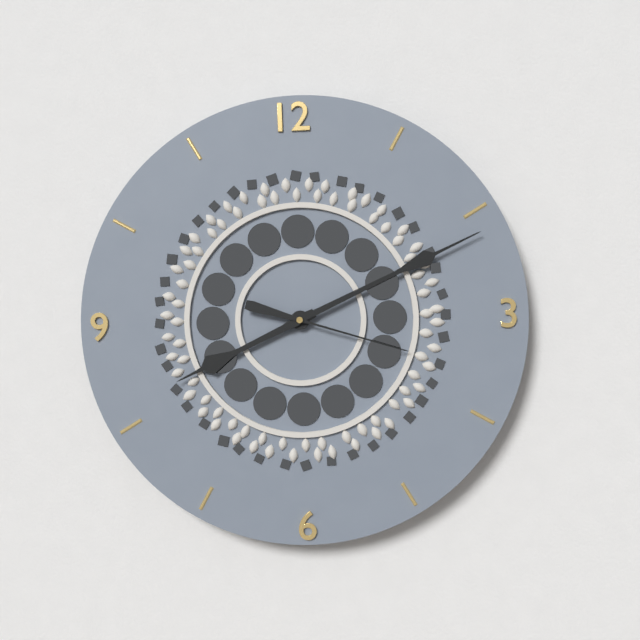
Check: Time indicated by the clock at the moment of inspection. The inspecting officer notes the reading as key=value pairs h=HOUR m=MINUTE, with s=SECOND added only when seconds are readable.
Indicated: h=8 m=11 s=18
